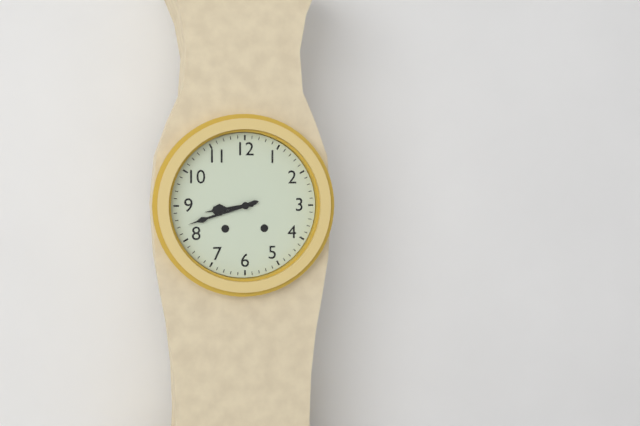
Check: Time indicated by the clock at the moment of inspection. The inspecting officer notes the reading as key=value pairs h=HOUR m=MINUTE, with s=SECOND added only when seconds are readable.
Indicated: h=8 m=42
